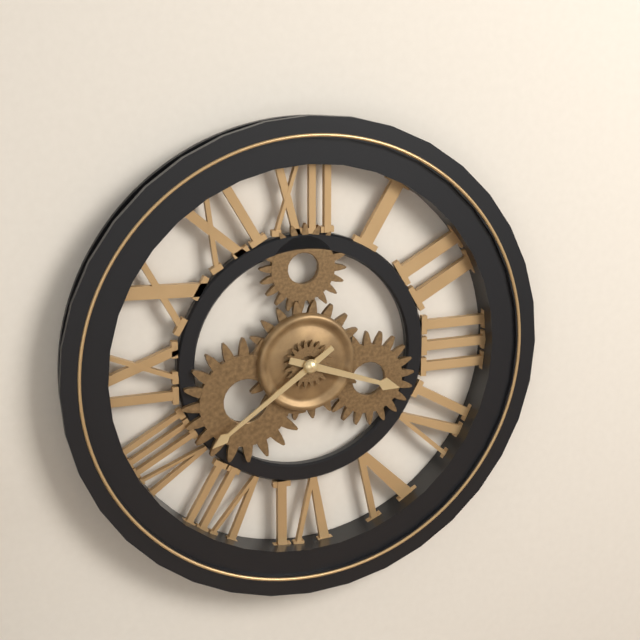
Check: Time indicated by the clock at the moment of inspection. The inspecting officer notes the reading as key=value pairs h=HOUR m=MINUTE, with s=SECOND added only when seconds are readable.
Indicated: h=3 m=39
